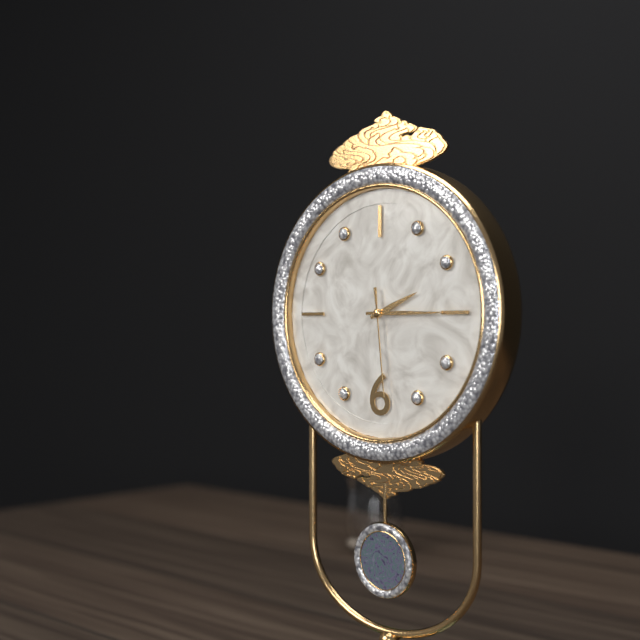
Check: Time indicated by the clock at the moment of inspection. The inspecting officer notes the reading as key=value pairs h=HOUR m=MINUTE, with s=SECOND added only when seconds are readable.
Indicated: h=2 m=15 s=29
